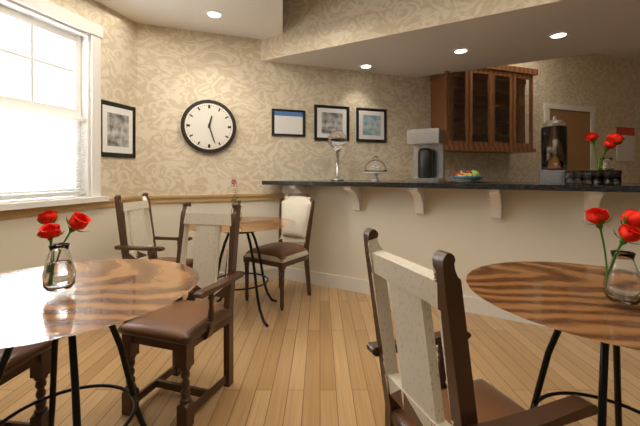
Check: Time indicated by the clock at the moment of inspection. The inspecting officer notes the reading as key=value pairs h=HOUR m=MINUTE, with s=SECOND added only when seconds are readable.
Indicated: h=12 m=27
